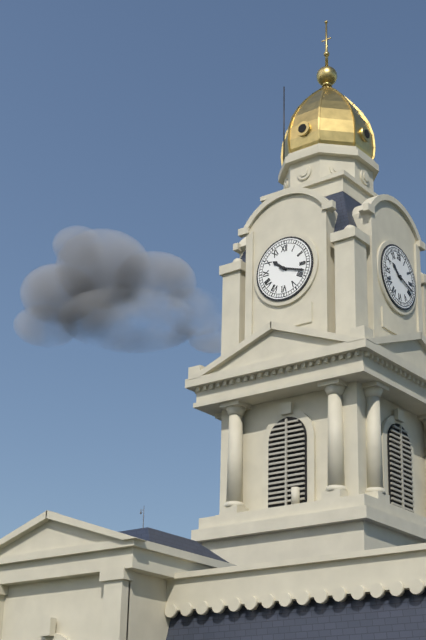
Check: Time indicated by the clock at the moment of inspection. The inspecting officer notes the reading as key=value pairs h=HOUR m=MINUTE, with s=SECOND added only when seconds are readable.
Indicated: h=10 m=18
